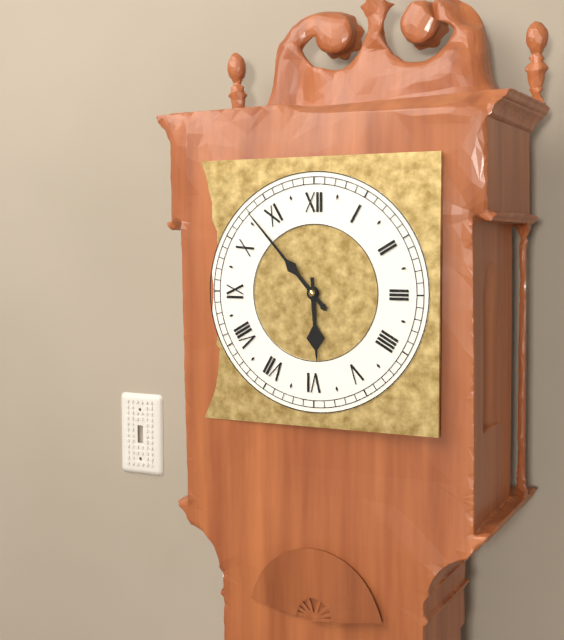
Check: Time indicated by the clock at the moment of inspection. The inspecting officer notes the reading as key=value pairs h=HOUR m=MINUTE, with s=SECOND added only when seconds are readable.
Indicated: h=5 m=53
